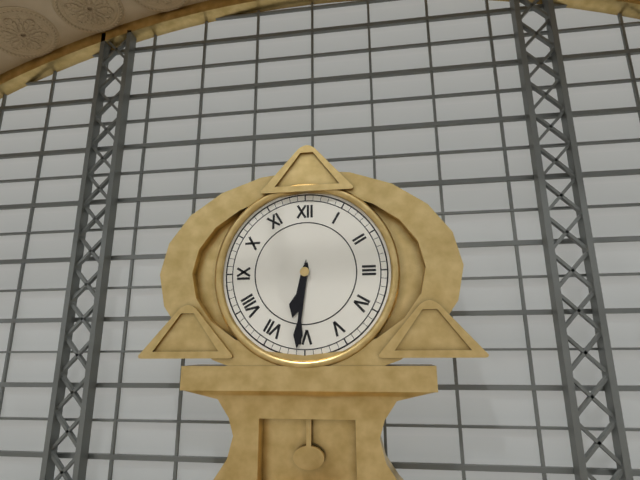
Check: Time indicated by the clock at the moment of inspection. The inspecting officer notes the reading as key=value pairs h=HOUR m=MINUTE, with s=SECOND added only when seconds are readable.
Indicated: h=6 m=31
